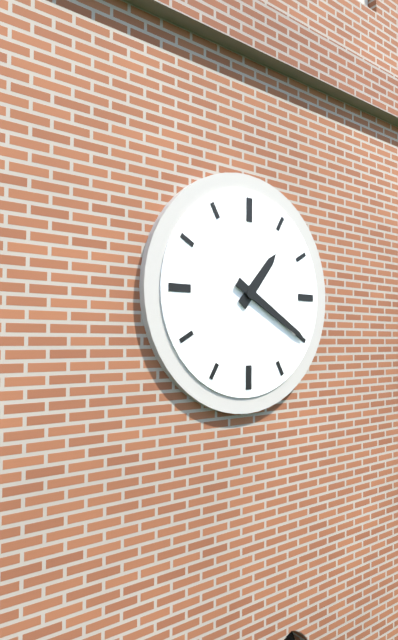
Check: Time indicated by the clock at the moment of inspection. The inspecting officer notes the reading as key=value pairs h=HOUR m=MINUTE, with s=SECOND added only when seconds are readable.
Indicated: h=1 m=20
